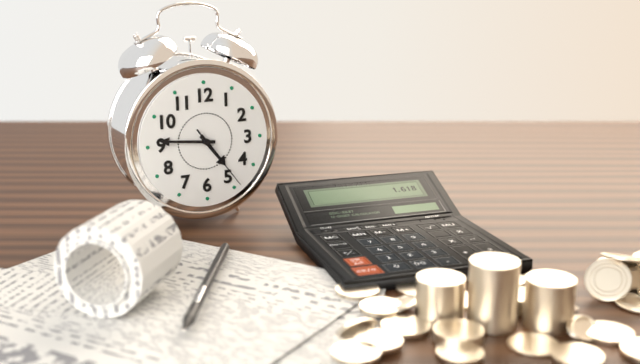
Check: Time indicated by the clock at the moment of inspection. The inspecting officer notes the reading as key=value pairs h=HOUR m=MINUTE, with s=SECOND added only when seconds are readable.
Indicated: h=4 m=46 s=24
